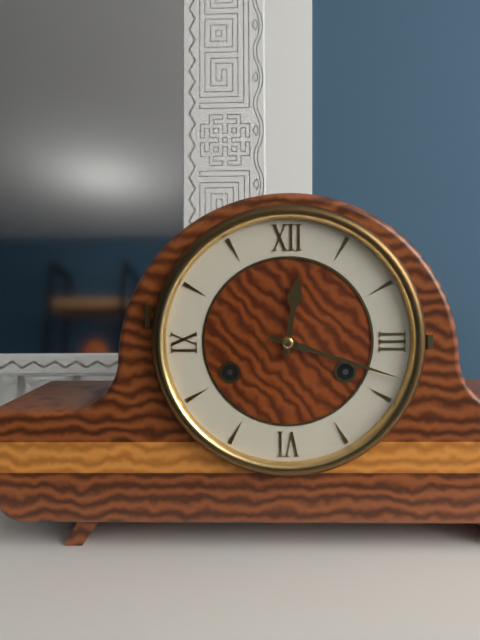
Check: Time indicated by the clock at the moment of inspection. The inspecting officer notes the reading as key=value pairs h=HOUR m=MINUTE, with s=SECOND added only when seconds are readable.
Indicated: h=12 m=18
